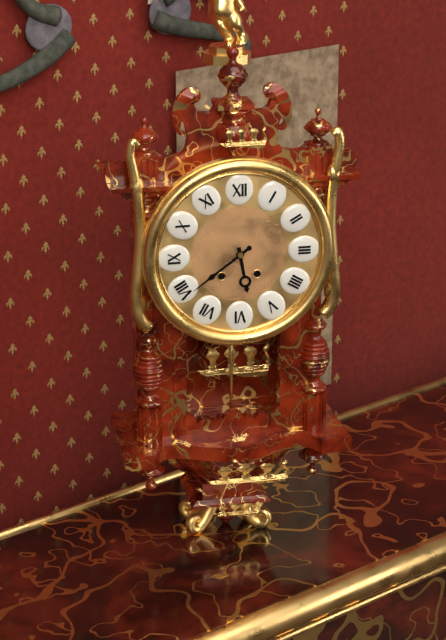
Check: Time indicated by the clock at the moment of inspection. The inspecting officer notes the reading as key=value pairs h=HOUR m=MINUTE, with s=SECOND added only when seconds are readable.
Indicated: h=5 m=39
